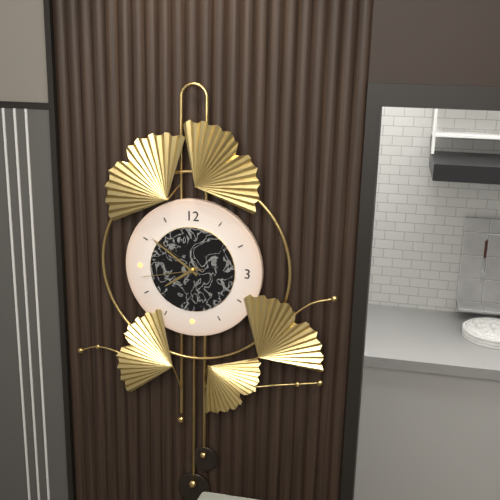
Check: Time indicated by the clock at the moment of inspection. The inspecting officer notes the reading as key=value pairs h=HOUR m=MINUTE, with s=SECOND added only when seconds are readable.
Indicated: h=7 m=51 s=43
